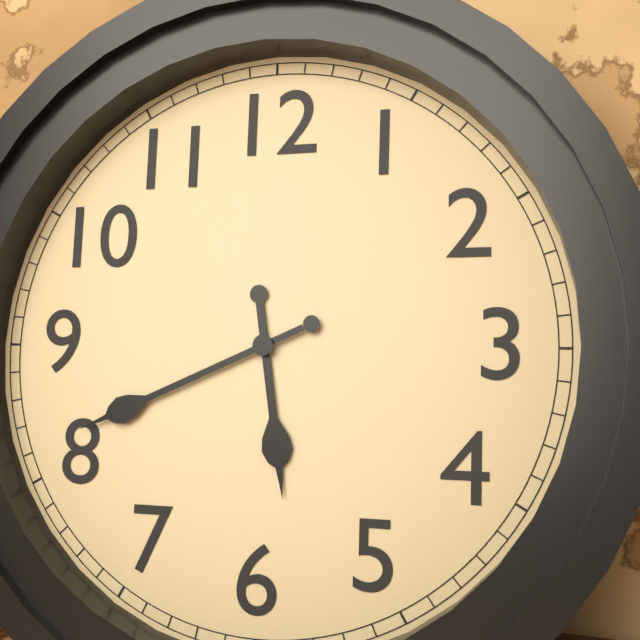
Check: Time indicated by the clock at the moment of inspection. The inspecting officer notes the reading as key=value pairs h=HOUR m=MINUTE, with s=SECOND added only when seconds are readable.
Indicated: h=5 m=41
